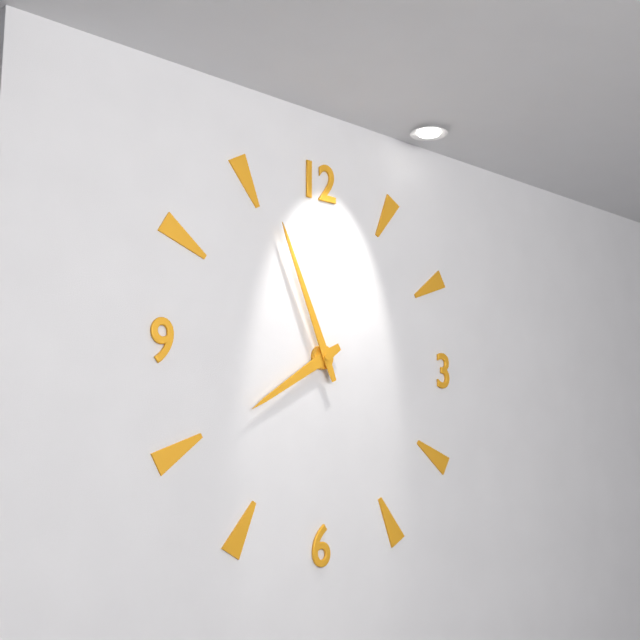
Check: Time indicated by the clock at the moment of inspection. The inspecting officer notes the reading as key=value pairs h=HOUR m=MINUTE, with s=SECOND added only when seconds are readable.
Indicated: h=7 m=56
